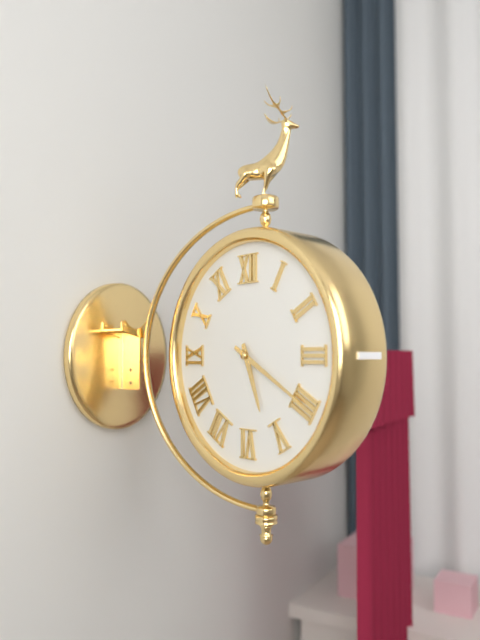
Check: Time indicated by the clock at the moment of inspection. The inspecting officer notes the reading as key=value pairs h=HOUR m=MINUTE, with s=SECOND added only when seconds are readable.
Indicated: h=5 m=20
